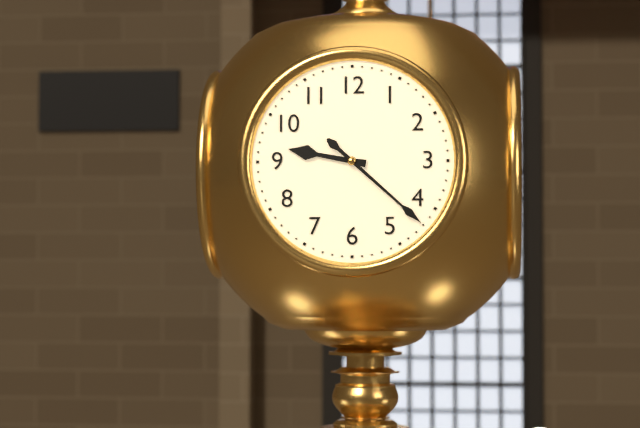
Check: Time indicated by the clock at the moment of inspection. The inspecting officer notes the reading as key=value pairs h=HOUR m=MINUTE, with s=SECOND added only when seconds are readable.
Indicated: h=9 m=22
